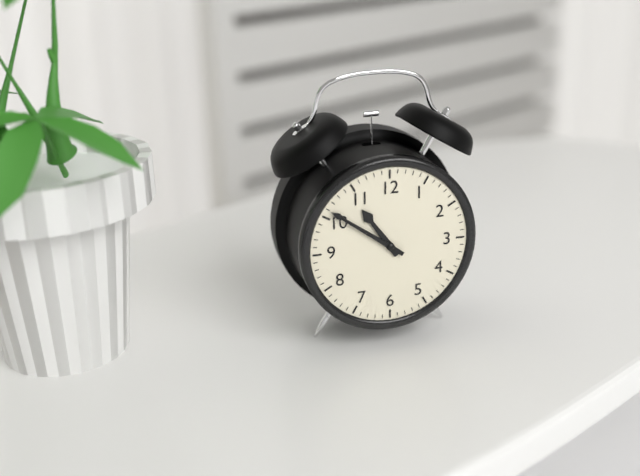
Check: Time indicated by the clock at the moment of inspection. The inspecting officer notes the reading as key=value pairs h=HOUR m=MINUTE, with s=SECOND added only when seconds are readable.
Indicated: h=10 m=51
